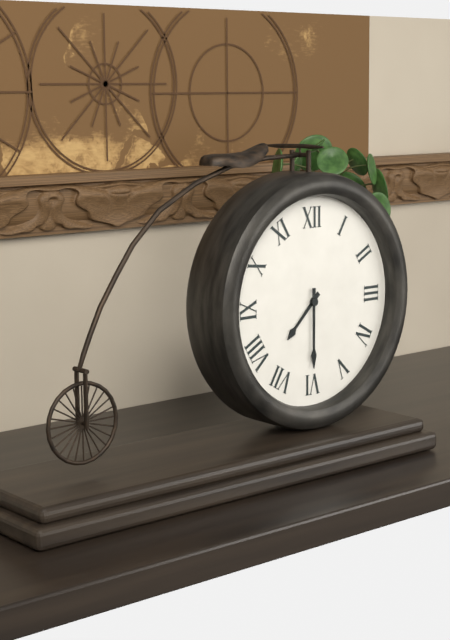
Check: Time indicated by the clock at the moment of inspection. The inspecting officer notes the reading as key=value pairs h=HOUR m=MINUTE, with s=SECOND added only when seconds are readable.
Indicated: h=7 m=30
